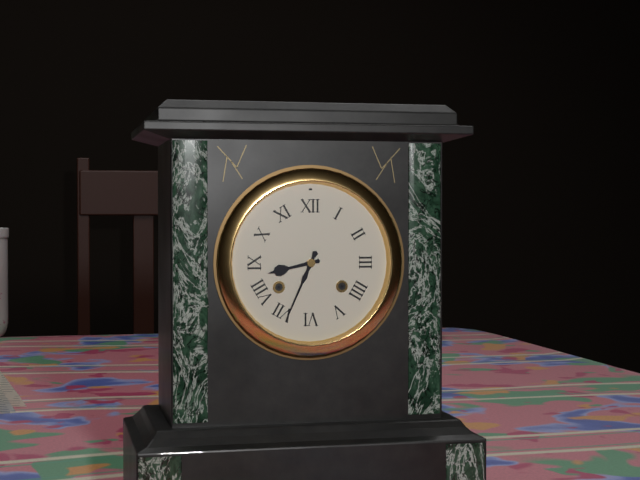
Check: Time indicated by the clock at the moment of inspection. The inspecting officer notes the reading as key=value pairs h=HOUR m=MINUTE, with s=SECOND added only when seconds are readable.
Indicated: h=8 m=34
